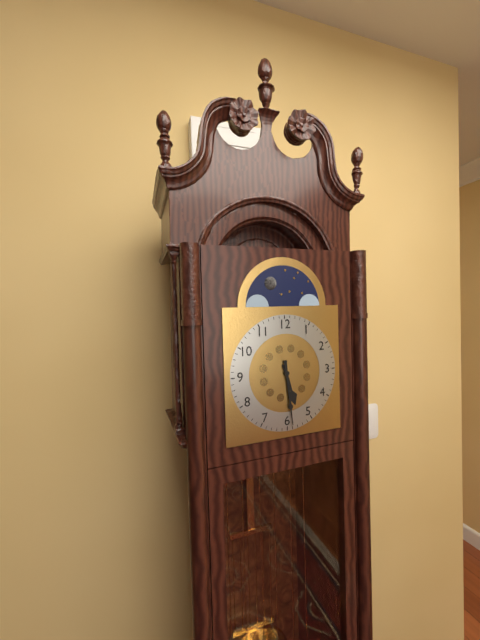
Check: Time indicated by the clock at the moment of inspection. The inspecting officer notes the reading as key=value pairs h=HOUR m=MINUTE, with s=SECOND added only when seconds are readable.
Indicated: h=5 m=29
